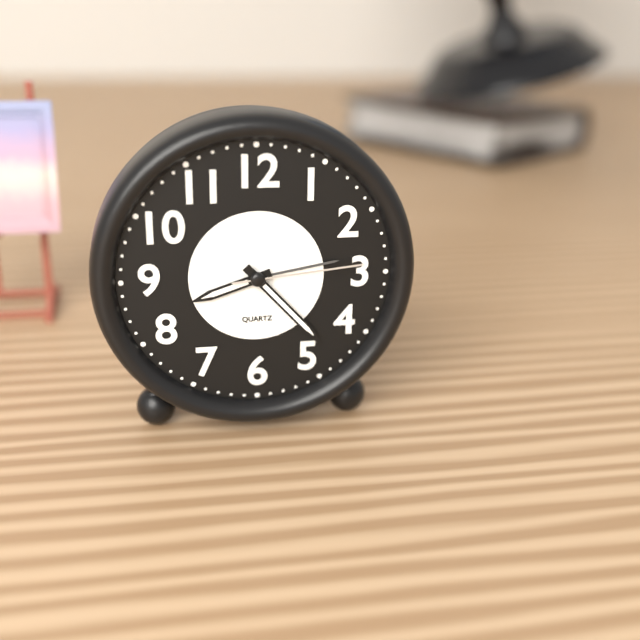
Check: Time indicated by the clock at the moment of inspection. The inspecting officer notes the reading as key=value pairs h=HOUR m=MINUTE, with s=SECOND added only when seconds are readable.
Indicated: h=8 m=23 s=14
